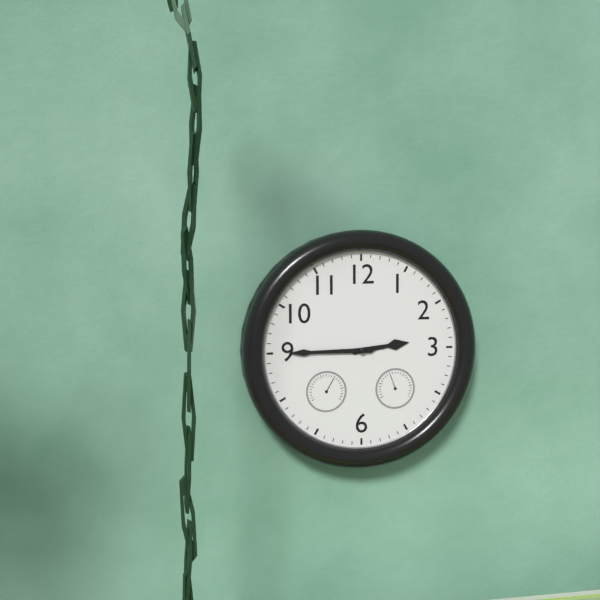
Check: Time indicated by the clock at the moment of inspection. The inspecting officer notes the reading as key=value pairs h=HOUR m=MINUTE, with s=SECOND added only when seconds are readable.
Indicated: h=2 m=45
